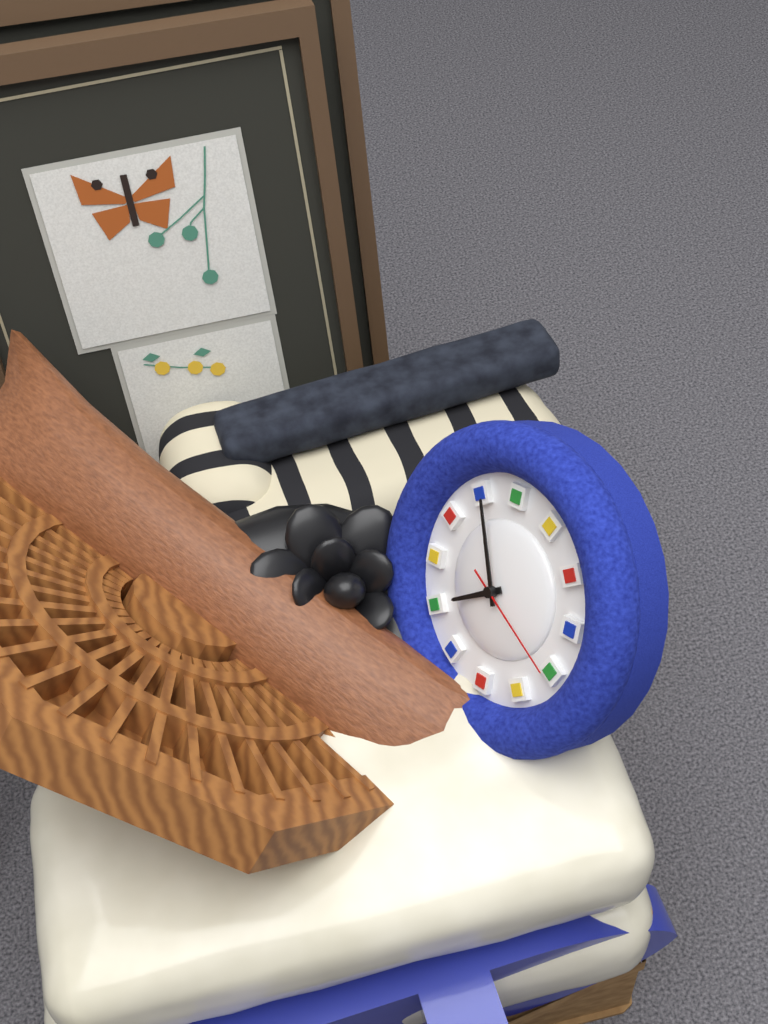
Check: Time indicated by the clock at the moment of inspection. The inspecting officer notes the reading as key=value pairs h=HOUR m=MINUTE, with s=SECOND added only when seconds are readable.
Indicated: h=9 m=1 s=25
